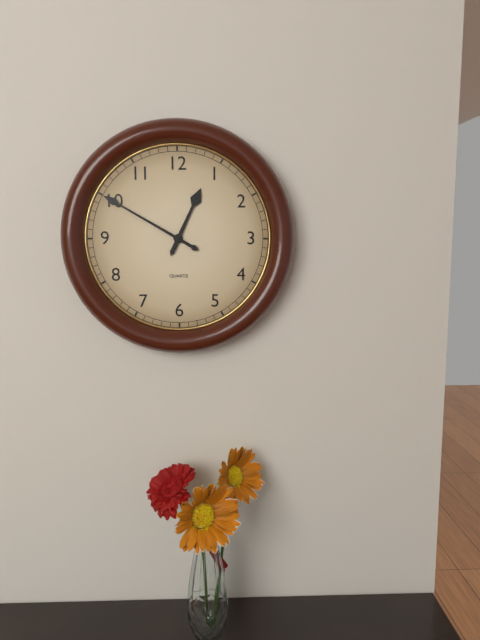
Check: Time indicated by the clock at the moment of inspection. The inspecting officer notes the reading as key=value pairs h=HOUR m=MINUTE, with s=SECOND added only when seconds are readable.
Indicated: h=12 m=50
